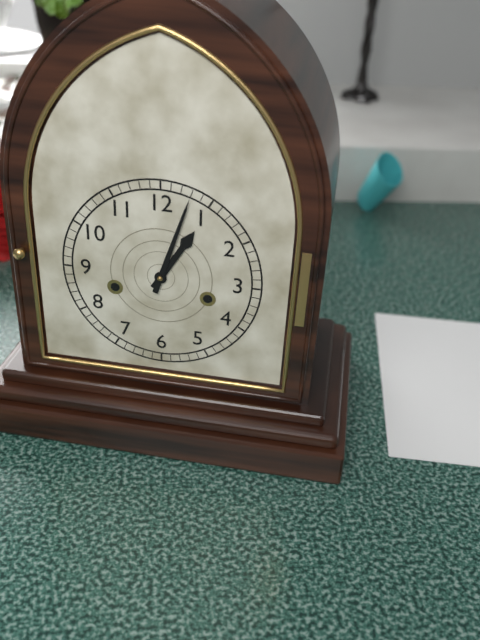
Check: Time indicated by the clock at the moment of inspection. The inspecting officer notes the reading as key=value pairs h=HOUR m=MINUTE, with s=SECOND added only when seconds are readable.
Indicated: h=1 m=3
